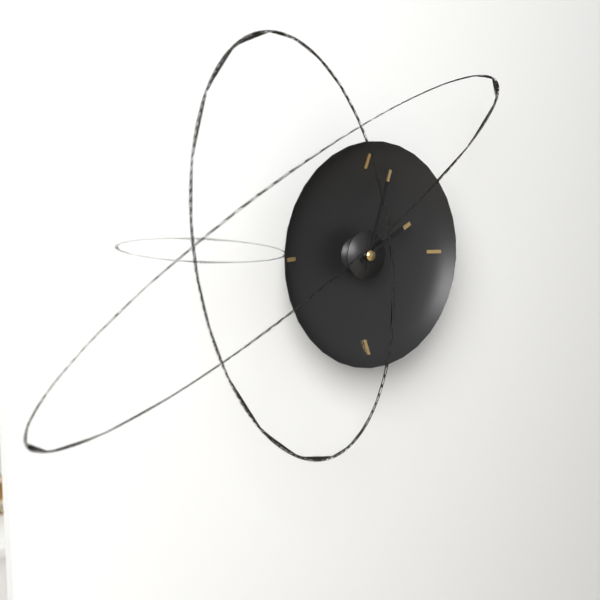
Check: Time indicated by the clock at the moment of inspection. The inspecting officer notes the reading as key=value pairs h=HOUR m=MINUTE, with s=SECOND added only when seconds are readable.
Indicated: h=2 m=3
